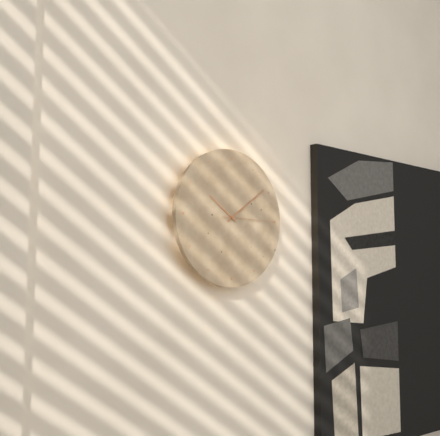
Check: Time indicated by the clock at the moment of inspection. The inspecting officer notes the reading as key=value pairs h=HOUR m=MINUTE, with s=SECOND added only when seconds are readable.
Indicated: h=10 m=9 s=15
